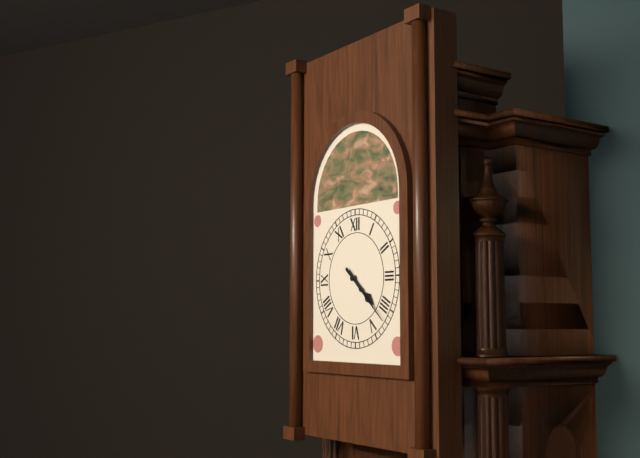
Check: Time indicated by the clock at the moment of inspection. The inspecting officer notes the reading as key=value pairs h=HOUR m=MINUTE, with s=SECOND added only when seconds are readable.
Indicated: h=4 m=22
